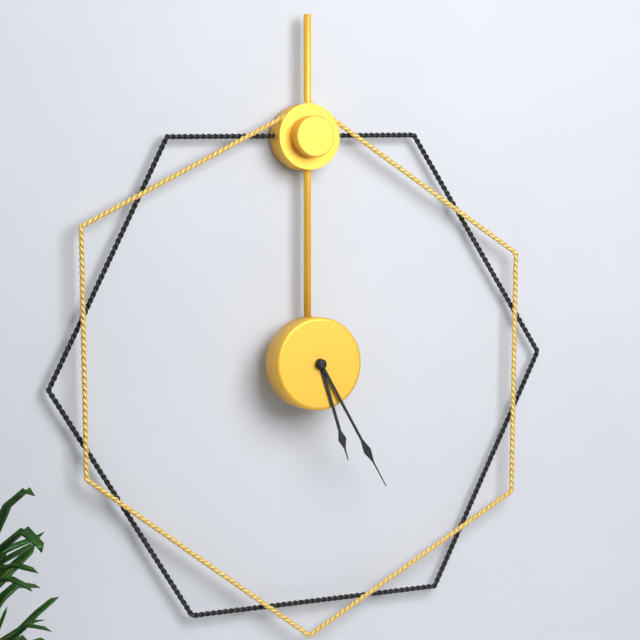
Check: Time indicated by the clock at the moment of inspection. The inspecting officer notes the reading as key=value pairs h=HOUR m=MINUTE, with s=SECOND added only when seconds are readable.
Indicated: h=5 m=25
